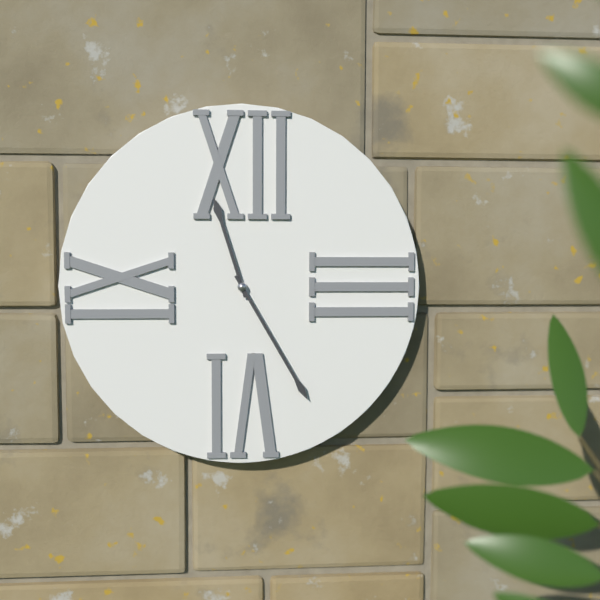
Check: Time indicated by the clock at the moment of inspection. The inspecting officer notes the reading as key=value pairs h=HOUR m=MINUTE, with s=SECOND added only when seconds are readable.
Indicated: h=11 m=25
